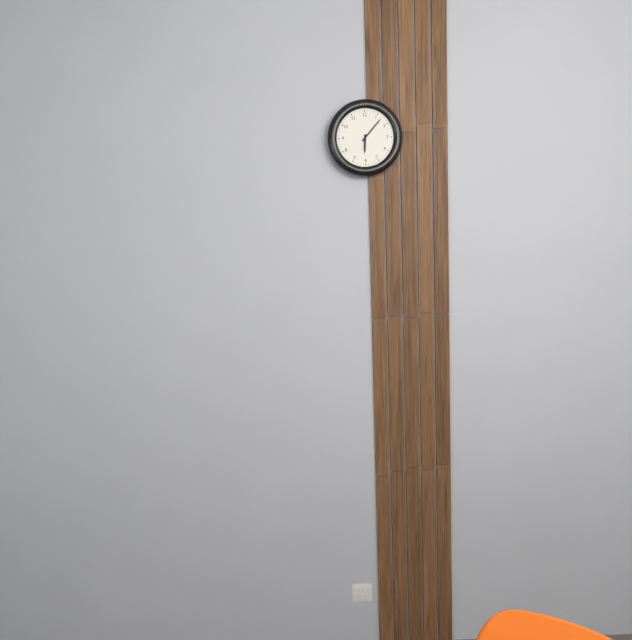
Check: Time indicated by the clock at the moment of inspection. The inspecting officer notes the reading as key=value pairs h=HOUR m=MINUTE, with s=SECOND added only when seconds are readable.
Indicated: h=6 m=7
